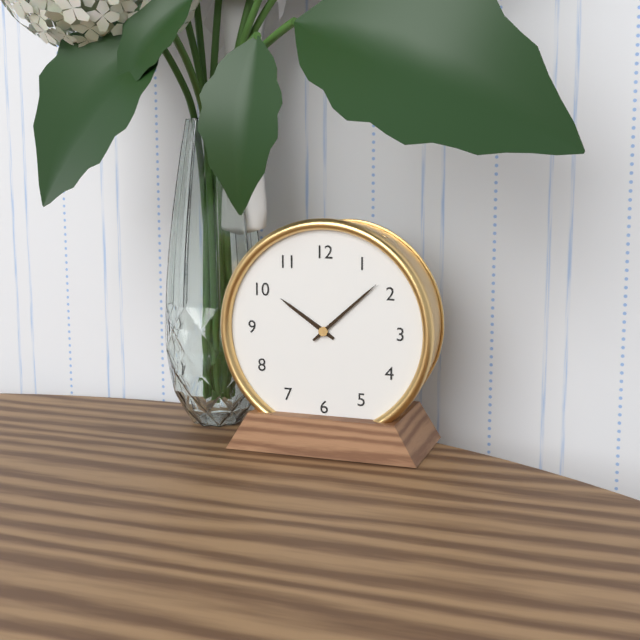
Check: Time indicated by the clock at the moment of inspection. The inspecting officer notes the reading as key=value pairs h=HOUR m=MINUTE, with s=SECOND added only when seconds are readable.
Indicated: h=10 m=8
